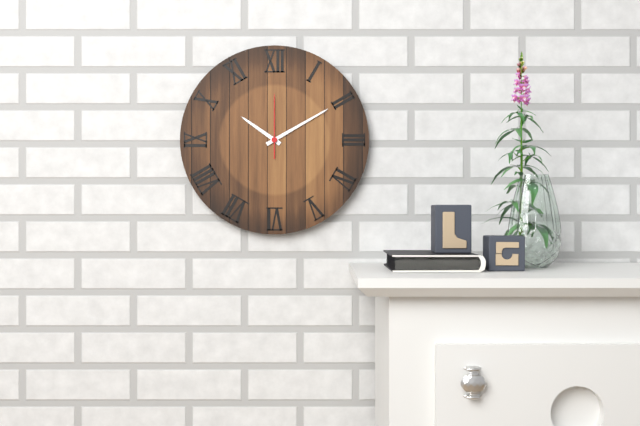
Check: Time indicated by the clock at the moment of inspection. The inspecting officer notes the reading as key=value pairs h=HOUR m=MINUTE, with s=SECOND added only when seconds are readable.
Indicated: h=10 m=10 s=0
